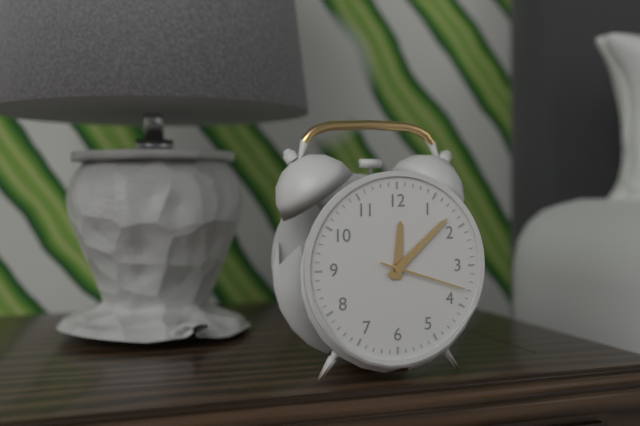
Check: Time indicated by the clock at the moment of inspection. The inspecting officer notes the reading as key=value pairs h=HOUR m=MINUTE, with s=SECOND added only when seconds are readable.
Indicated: h=12 m=8 s=18
